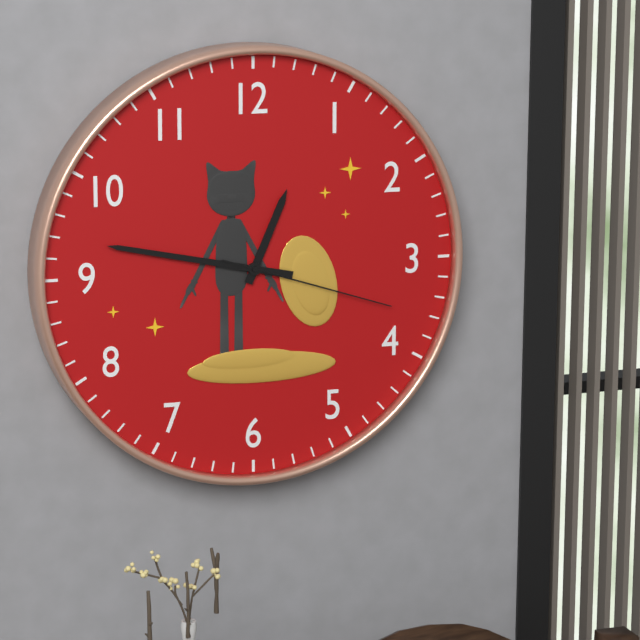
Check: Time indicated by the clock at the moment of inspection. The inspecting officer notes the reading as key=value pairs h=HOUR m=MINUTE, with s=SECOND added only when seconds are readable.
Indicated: h=12 m=47 s=18
